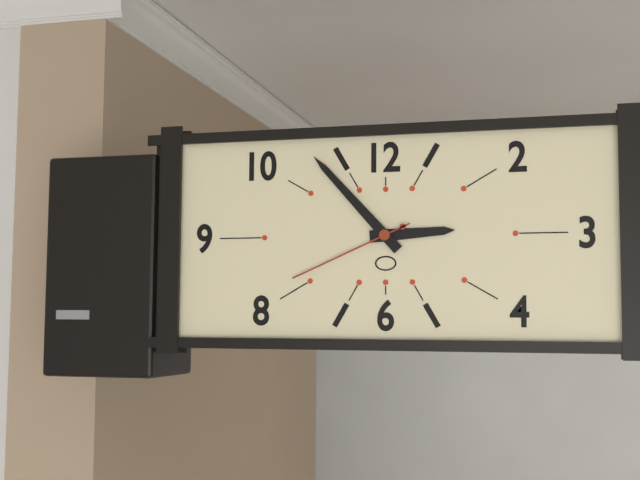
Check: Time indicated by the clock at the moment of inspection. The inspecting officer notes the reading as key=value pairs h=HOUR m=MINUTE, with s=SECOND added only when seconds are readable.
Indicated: h=2 m=53 s=41
